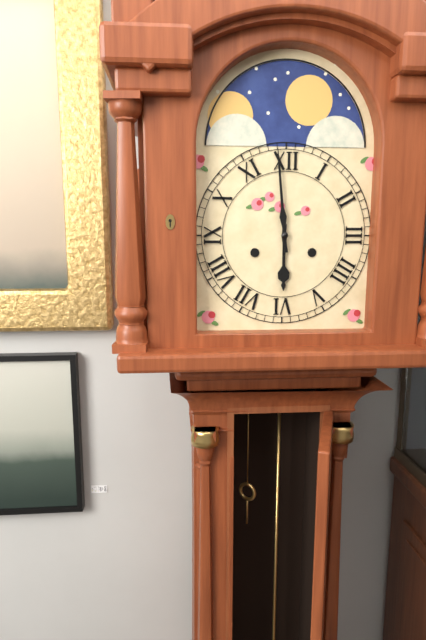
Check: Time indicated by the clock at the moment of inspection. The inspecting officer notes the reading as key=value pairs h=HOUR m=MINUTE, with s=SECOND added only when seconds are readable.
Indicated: h=5 m=59
